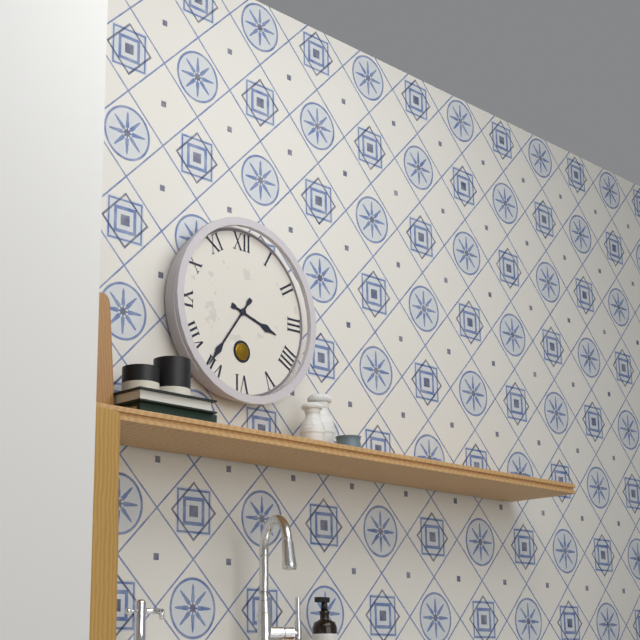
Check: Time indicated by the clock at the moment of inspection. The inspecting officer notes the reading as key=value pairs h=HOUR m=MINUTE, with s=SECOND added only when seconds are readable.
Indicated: h=3 m=36
